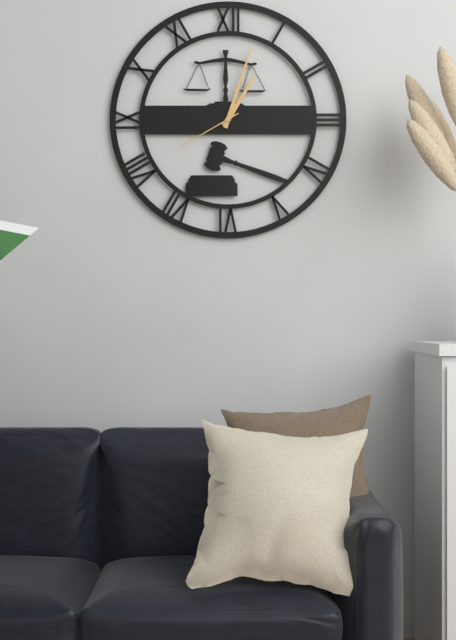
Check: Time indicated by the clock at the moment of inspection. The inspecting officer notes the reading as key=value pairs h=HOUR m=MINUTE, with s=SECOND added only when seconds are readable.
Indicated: h=1 m=3 s=40
